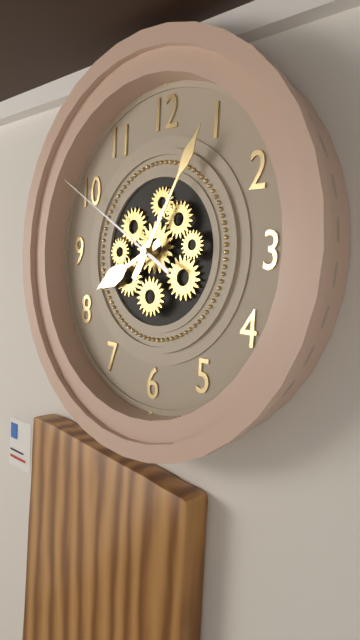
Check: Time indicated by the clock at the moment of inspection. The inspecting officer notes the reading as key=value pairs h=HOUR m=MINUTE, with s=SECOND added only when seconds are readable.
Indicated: h=8 m=5 s=50
